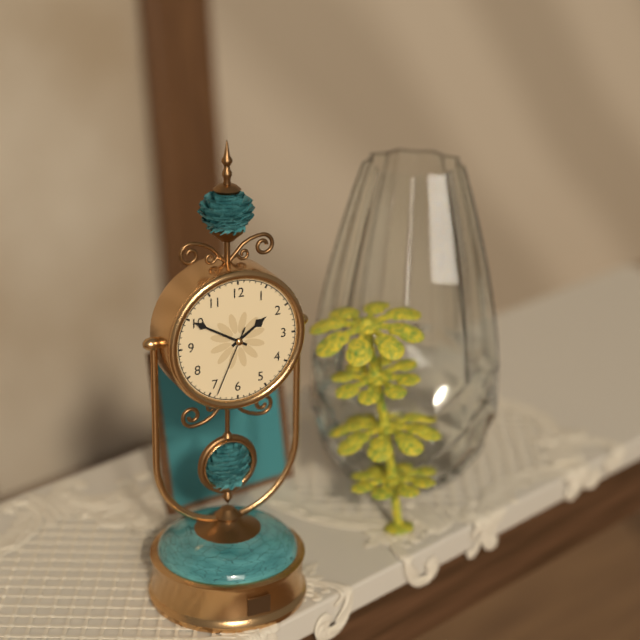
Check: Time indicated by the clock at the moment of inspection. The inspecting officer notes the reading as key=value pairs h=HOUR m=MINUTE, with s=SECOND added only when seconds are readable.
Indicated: h=1 m=50 s=34
